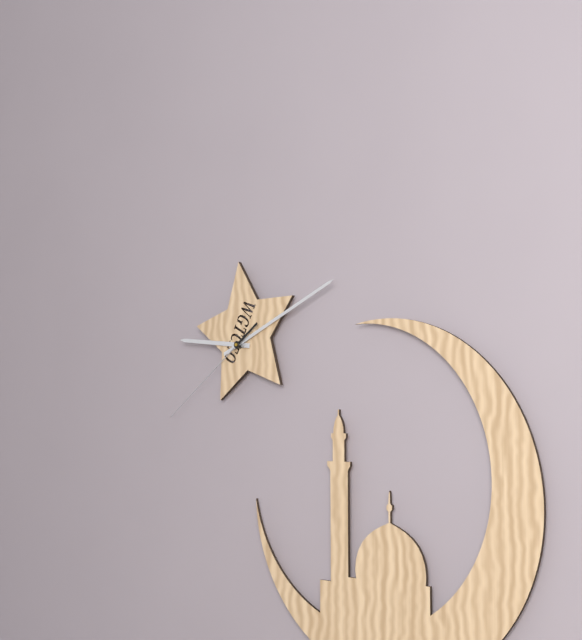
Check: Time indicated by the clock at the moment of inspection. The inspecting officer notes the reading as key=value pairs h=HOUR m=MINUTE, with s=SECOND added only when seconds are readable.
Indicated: h=9 m=11 s=39
